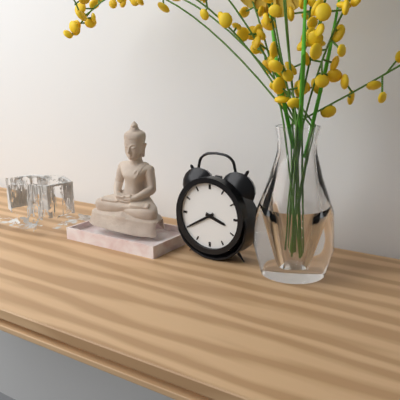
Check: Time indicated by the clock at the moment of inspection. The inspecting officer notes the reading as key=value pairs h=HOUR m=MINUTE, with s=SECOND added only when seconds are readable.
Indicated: h=3 m=40
